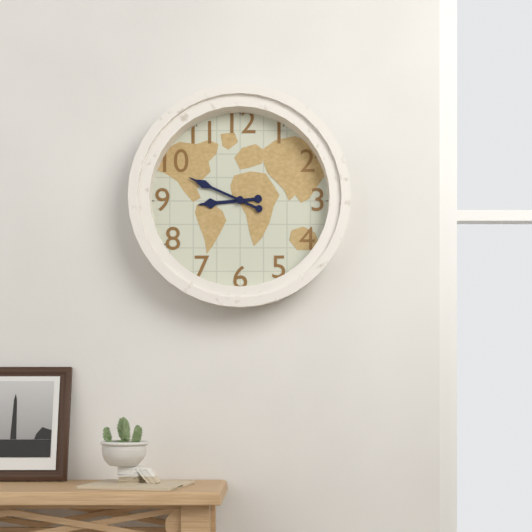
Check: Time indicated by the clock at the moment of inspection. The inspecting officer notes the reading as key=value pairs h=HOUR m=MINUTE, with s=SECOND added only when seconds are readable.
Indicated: h=8 m=49
